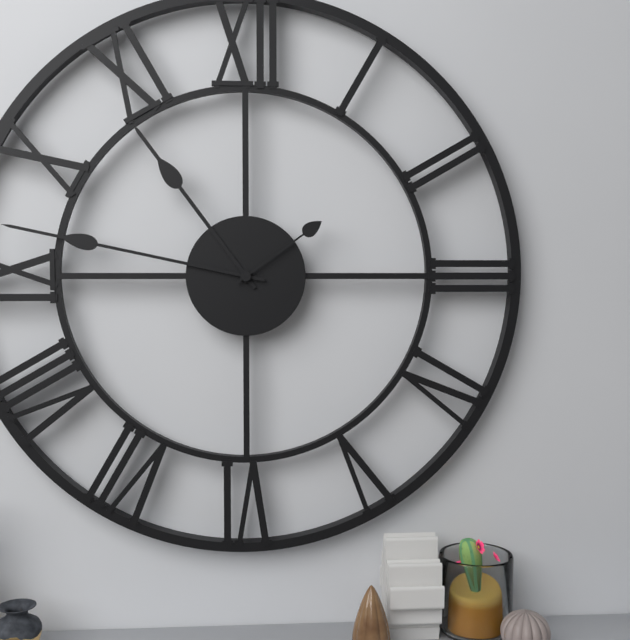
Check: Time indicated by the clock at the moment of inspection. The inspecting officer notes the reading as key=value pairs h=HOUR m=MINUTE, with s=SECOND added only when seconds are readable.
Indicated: h=10 m=47 s=9
